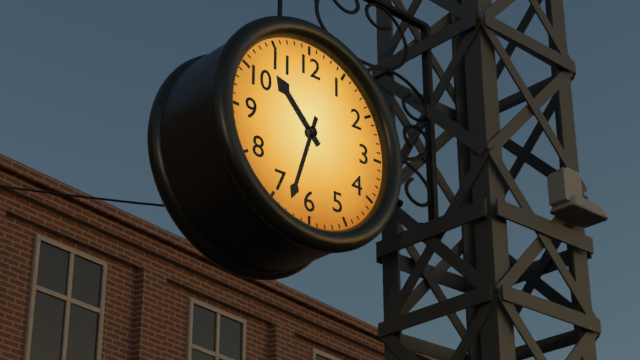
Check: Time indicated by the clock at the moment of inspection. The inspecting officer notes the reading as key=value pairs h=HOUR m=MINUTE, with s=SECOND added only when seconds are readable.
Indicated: h=10 m=33
